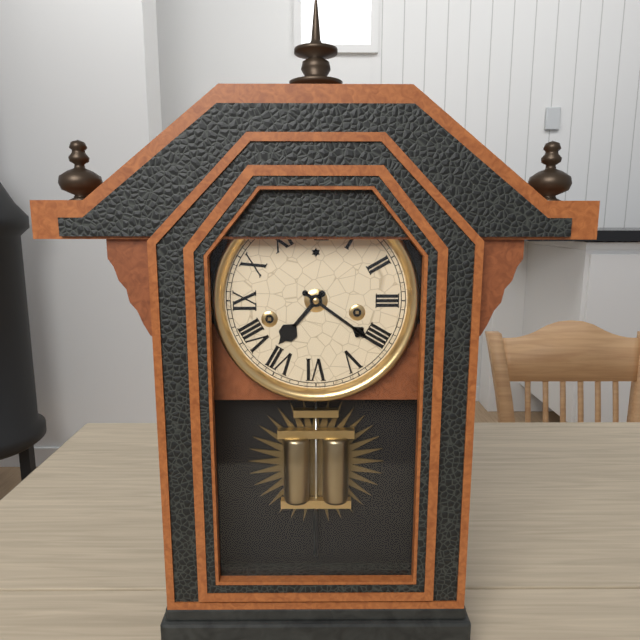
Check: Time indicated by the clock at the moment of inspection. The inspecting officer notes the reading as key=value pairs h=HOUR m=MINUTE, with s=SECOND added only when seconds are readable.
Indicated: h=7 m=21
